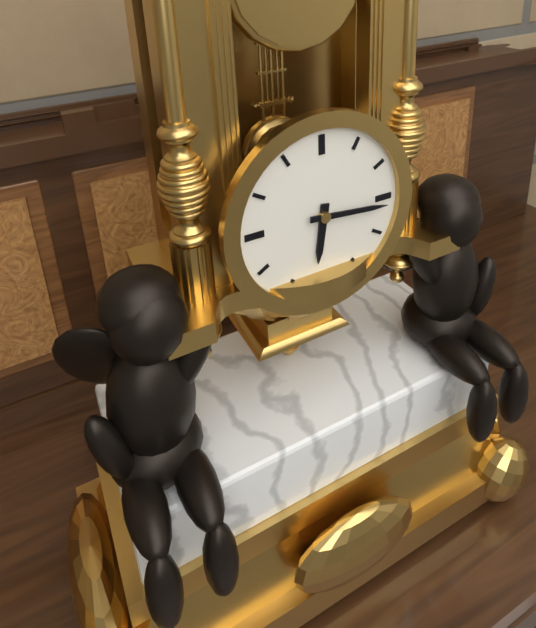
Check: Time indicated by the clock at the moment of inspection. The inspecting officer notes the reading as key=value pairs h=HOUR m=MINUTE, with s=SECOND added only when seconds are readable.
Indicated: h=6 m=16
